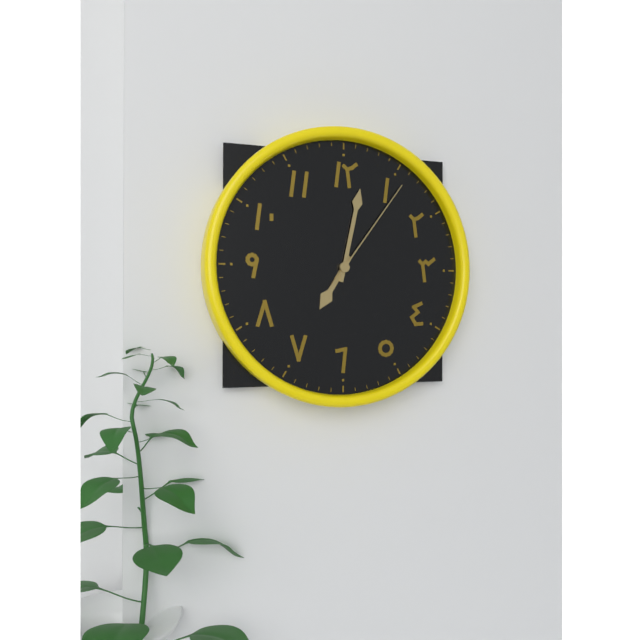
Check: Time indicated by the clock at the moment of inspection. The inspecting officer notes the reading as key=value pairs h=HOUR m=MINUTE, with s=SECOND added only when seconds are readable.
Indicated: h=7 m=2 s=6
